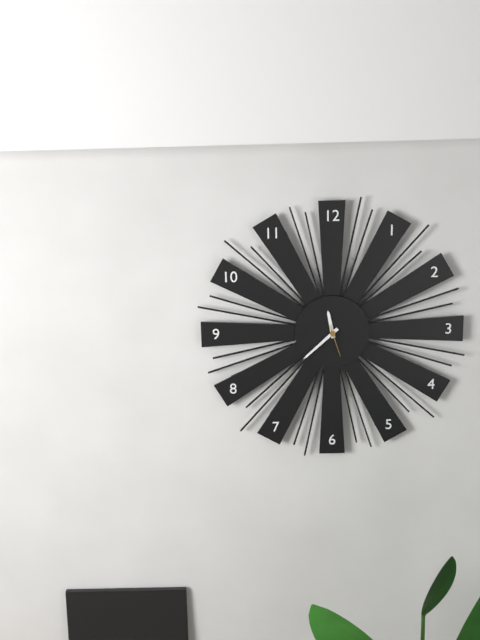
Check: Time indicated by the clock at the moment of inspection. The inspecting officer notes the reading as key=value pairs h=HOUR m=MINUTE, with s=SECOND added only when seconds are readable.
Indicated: h=11 m=38
